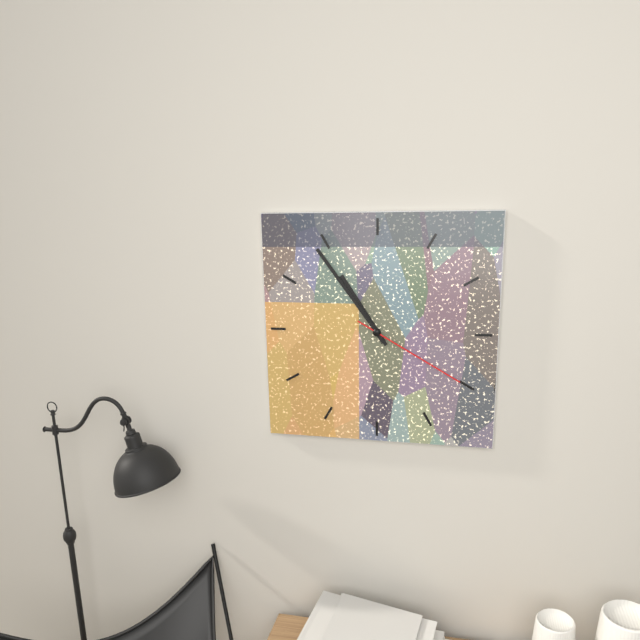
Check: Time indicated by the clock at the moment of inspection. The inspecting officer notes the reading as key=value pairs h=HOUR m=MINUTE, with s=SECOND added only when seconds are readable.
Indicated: h=10 m=54 s=20
